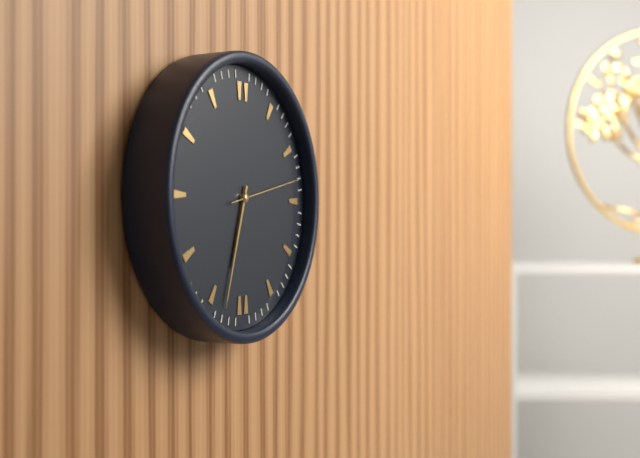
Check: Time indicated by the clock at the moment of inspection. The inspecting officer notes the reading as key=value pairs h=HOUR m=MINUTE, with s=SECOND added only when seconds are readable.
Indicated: h=6 m=33 s=13
